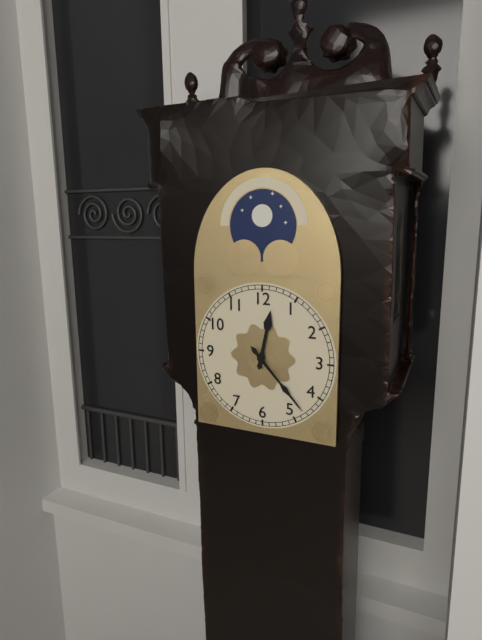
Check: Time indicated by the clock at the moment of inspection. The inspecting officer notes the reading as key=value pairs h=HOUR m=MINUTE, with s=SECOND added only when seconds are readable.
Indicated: h=12 m=23
